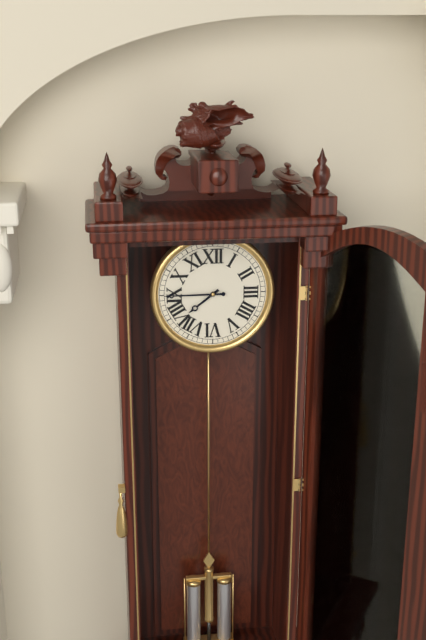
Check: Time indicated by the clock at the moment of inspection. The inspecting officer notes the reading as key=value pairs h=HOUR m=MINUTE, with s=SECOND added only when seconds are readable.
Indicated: h=7 m=45
